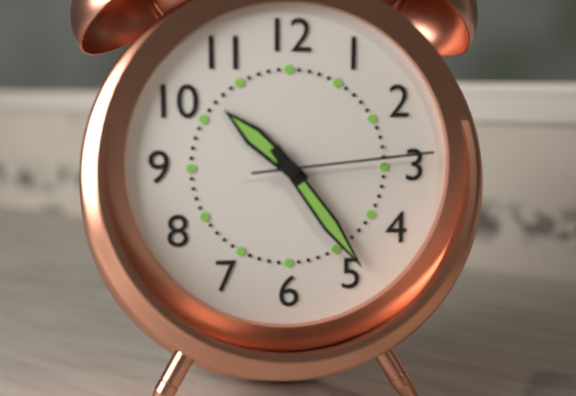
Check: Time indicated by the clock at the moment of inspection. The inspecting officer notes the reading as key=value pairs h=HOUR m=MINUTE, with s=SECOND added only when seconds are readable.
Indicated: h=10 m=24 s=14
